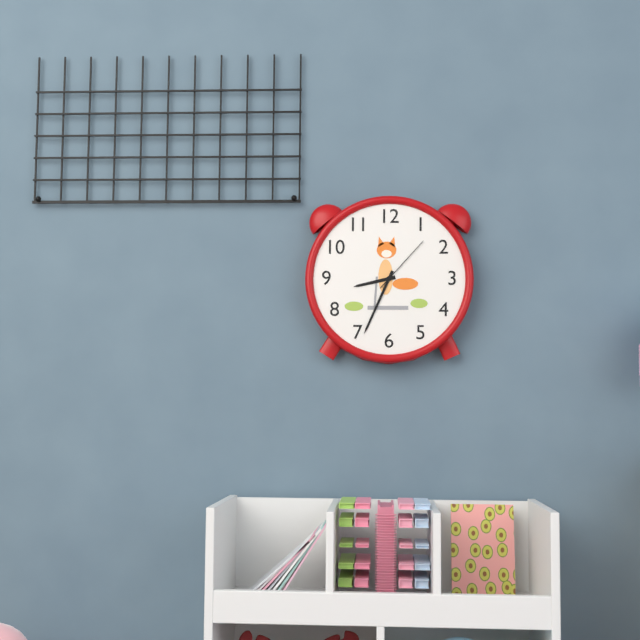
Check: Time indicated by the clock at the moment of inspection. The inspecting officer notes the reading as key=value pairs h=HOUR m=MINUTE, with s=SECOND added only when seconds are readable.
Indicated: h=8 m=34 s=7
